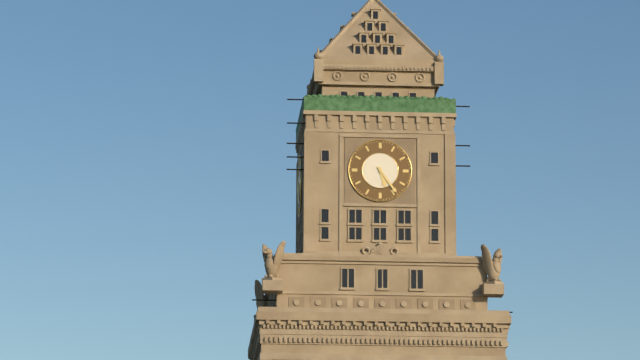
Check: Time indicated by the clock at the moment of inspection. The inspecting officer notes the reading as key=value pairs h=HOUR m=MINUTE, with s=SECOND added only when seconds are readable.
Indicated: h=5 m=24
